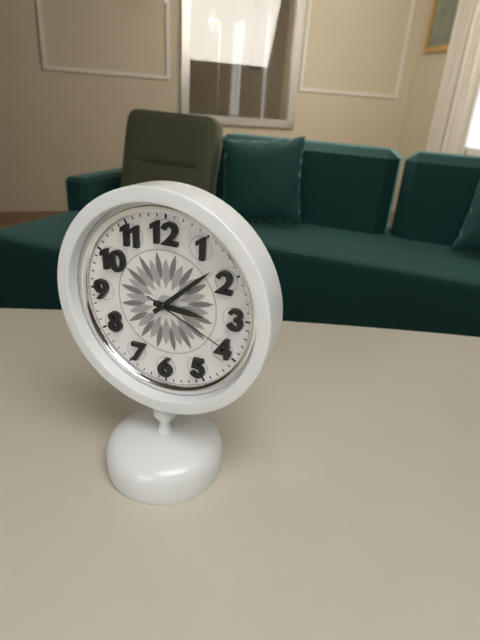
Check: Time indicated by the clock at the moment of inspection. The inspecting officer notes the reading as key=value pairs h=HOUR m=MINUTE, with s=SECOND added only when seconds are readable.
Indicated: h=3 m=8 s=19
